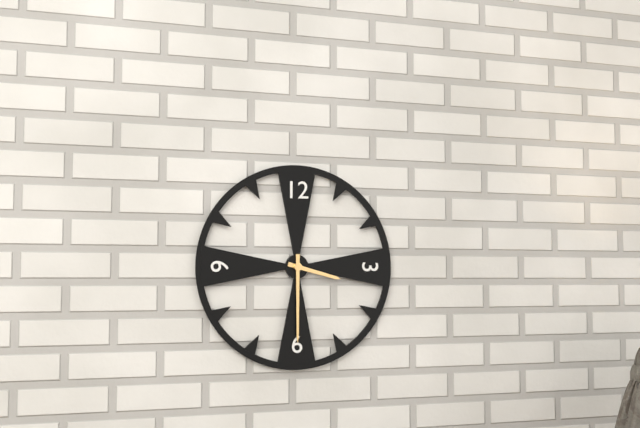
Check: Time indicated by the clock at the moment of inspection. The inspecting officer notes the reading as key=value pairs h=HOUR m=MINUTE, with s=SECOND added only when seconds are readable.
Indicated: h=3 m=30
